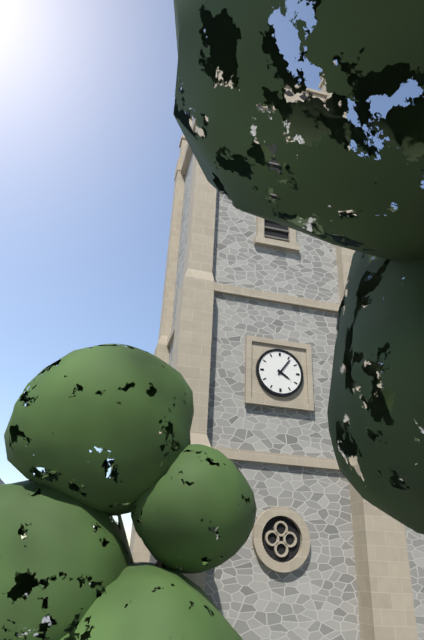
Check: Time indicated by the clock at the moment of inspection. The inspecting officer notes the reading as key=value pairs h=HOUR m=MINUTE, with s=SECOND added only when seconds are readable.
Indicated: h=4 m=6
